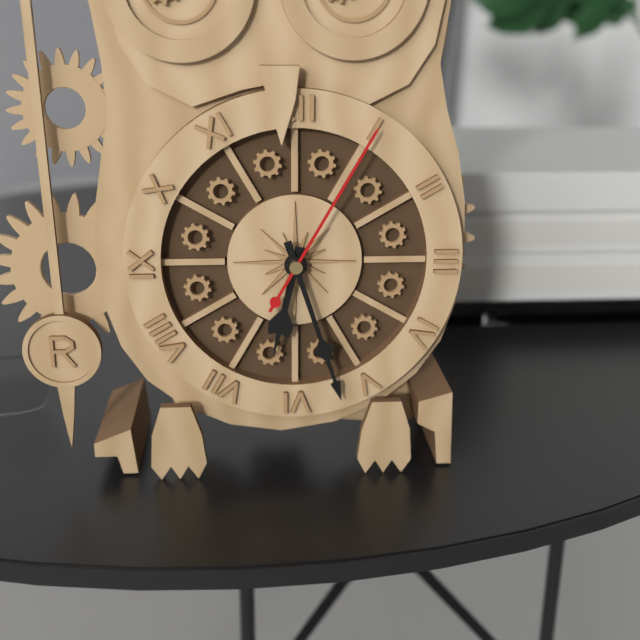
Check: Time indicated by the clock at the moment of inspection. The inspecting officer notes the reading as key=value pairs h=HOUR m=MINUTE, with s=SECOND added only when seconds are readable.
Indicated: h=6 m=27 s=5
